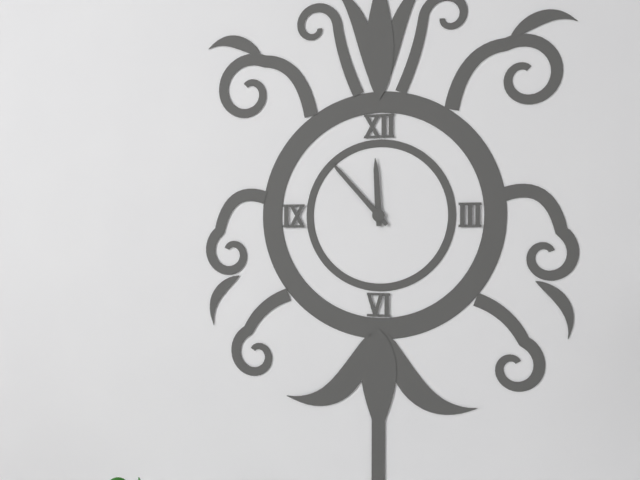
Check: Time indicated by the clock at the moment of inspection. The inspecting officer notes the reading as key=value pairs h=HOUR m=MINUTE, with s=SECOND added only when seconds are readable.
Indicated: h=11 m=53
